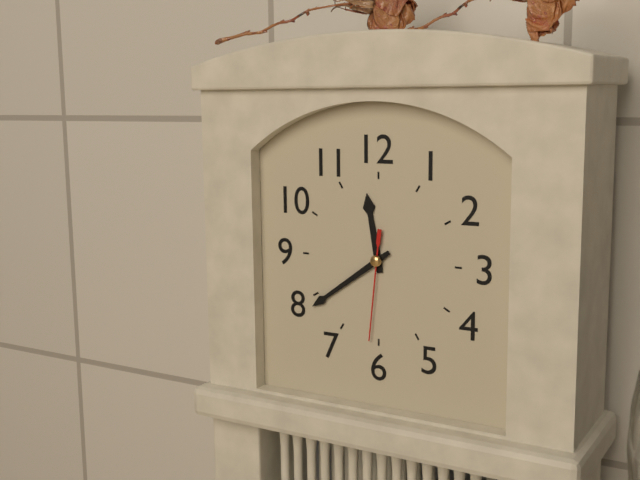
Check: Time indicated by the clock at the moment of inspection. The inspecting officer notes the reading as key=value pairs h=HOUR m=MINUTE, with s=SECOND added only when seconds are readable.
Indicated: h=11 m=39 s=31
